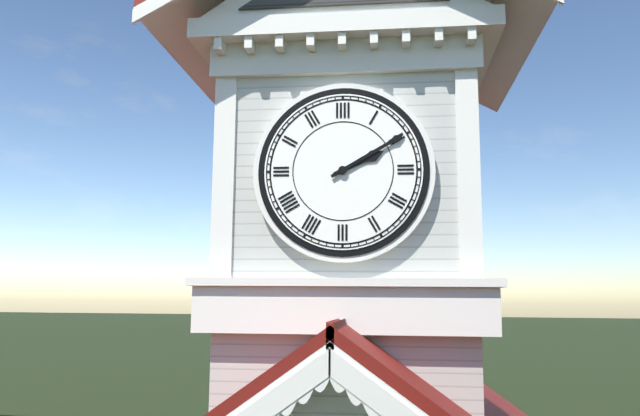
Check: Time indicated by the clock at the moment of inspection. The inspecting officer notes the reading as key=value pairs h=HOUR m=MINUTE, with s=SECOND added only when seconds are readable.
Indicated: h=2 m=10
